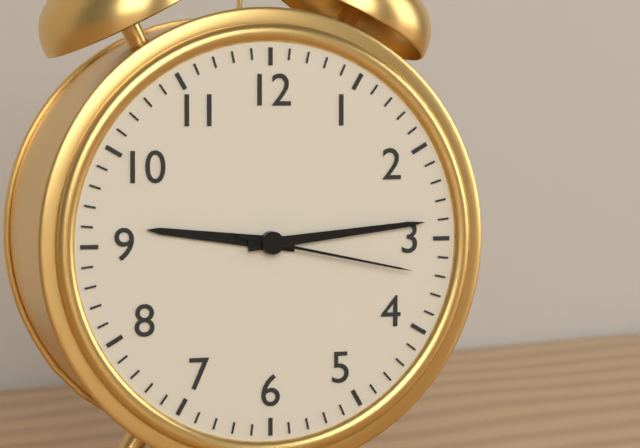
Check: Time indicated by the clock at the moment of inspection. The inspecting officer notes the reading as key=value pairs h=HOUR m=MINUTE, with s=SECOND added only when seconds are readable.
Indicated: h=9 m=14 s=17
